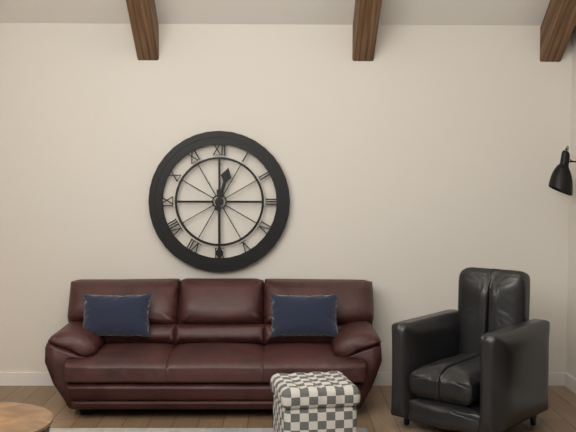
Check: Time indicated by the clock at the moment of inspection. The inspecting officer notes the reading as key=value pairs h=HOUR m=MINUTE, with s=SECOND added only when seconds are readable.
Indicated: h=12 m=30
